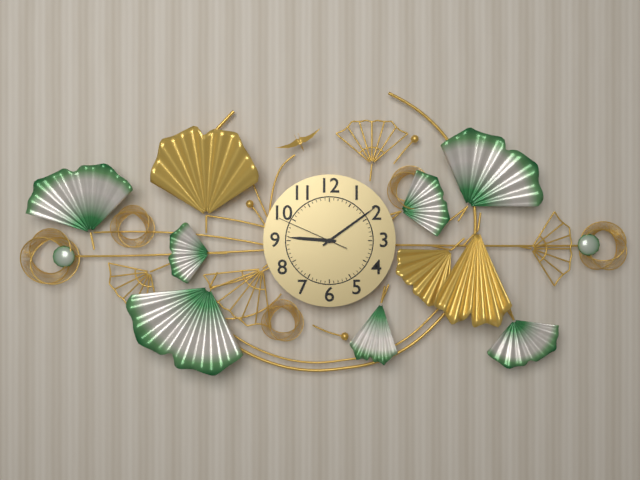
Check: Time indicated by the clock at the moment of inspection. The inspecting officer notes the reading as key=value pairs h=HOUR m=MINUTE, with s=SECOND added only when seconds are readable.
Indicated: h=9 m=9 s=49
